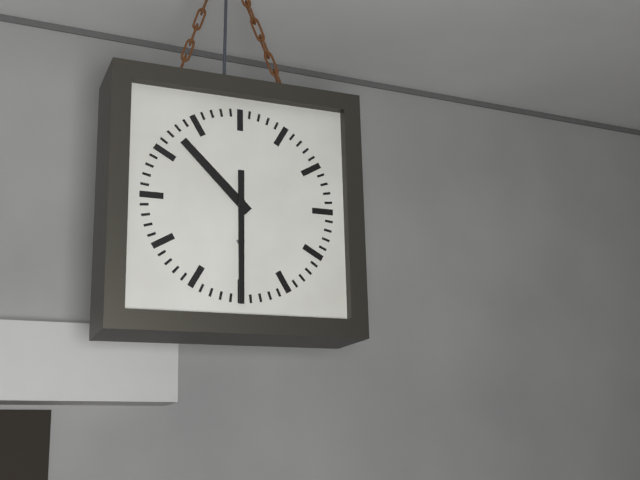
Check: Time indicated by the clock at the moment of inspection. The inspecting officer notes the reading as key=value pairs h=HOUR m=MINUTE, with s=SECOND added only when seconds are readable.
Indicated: h=10 m=30
